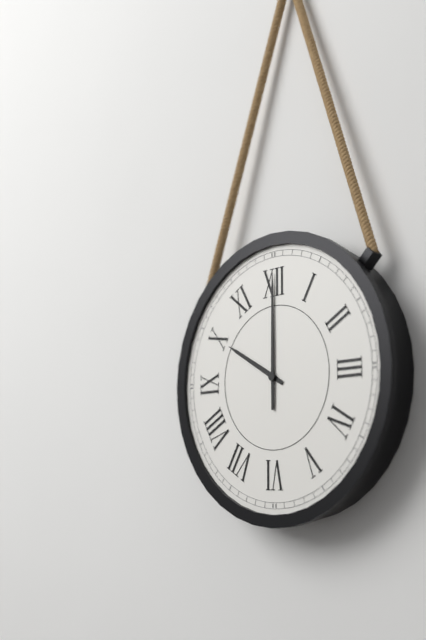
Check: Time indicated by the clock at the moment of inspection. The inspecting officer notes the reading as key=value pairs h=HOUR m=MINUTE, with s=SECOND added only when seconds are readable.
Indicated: h=10 m=0
